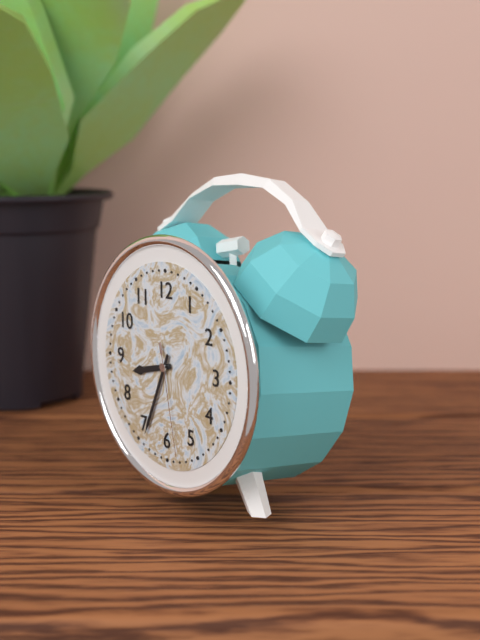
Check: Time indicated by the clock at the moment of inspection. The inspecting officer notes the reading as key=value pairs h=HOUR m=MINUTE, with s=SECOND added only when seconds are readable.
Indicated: h=8 m=34 s=28
